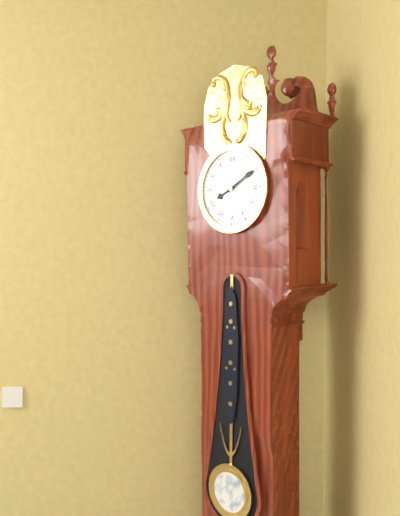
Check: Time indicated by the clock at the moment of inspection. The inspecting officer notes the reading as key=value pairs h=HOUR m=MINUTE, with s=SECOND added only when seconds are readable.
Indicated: h=8 m=10
